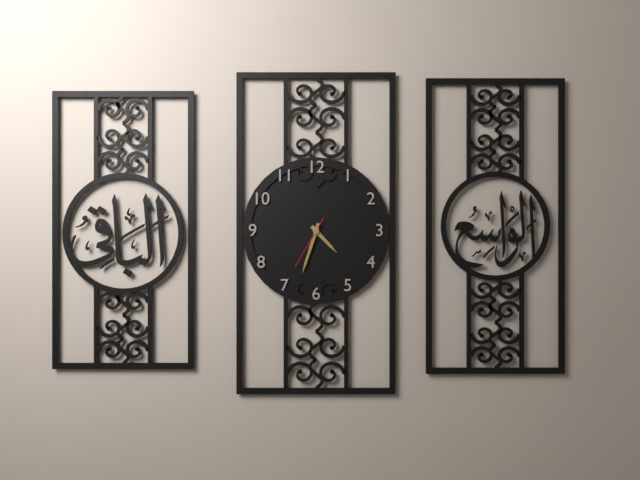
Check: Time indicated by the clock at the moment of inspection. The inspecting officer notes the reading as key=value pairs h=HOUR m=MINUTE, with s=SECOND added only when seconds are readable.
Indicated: h=4 m=33 s=35
